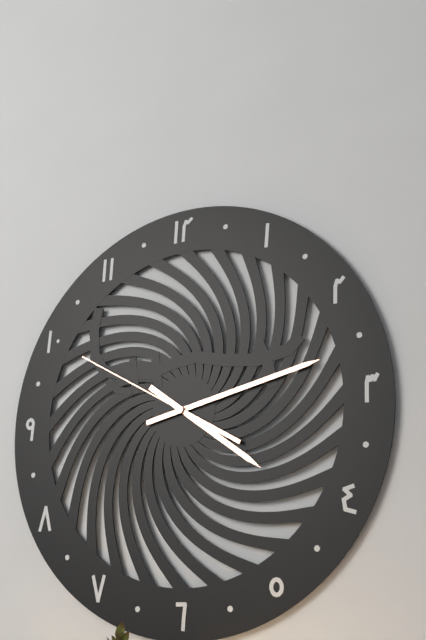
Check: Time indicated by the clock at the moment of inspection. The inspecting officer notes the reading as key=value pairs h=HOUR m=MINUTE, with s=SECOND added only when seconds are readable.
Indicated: h=4 m=13 s=50
